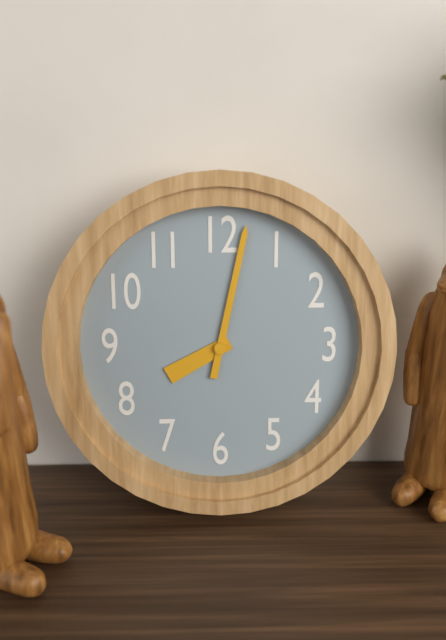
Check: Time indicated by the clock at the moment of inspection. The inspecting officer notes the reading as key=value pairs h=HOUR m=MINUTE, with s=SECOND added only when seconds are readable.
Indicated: h=8 m=2
